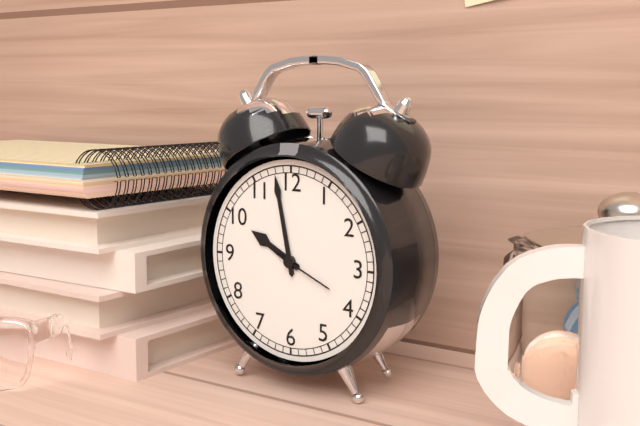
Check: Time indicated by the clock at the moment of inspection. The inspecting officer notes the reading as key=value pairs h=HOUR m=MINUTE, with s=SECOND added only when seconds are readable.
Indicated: h=9 m=58 s=19
